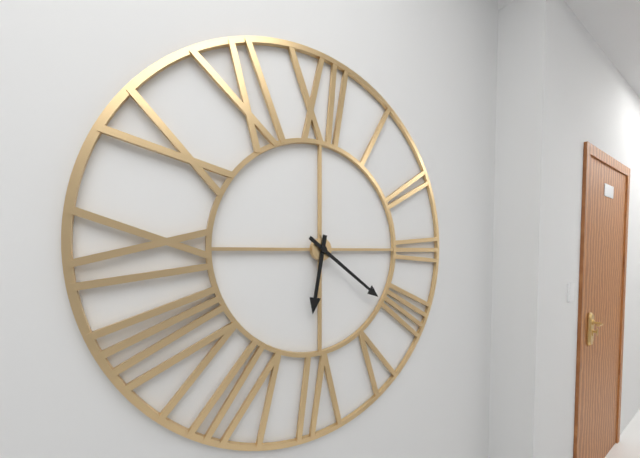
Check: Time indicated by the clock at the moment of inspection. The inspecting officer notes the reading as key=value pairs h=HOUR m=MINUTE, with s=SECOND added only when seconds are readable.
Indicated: h=6 m=21
